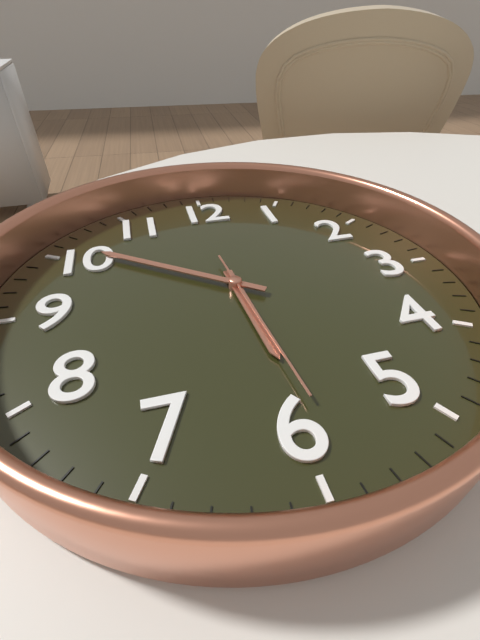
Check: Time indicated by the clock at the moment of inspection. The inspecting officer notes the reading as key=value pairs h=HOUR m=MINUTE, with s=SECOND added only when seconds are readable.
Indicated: h=5 m=51 s=29
